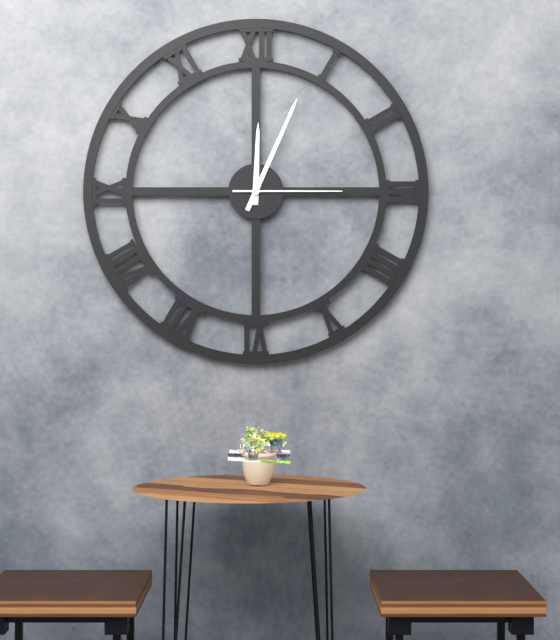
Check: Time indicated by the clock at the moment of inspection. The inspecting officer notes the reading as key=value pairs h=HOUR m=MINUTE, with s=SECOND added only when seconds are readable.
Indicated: h=12 m=4 s=15
